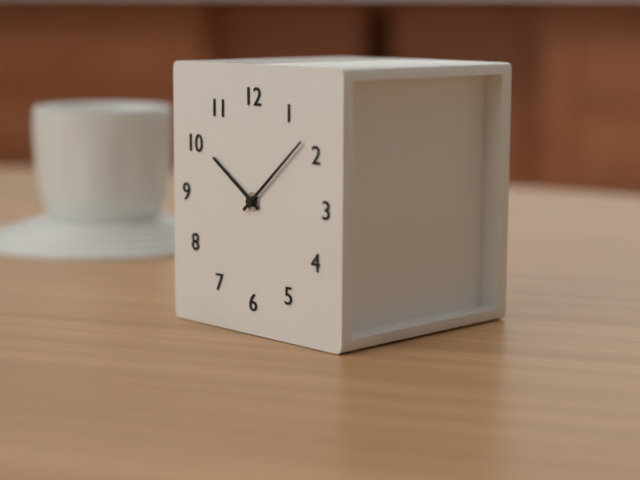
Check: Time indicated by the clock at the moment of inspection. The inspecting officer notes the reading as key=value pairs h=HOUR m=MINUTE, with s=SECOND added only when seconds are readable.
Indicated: h=10 m=8
